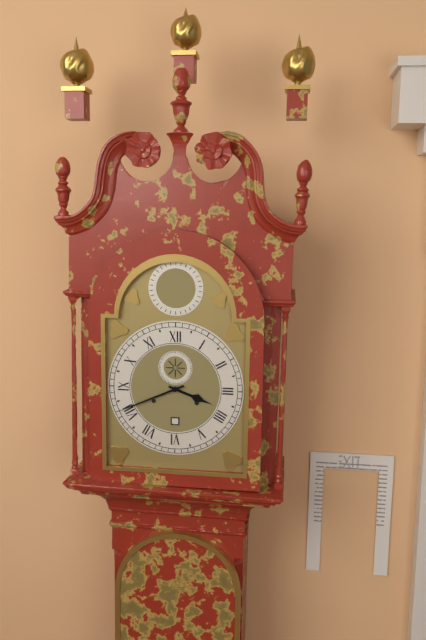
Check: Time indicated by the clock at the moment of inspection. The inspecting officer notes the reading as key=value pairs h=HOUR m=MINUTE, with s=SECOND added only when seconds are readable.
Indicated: h=3 m=41
